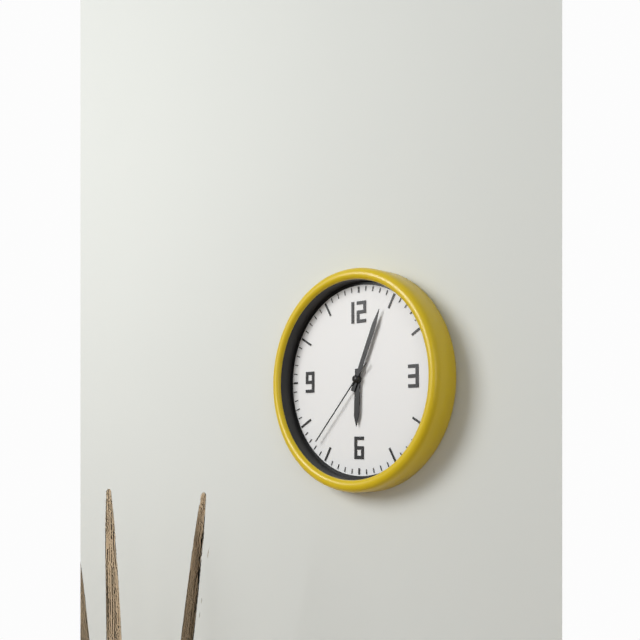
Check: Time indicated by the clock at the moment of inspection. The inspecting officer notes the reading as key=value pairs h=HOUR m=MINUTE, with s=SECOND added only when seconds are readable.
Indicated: h=6 m=4 s=37
